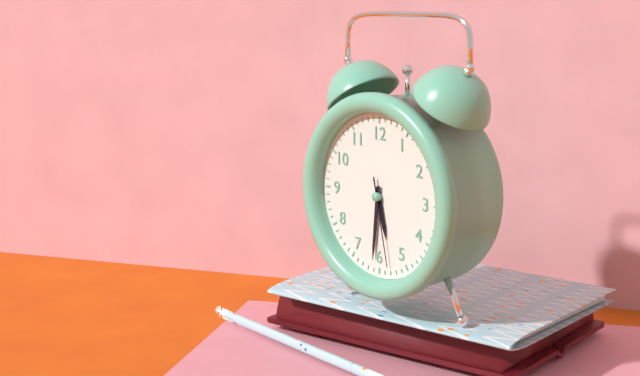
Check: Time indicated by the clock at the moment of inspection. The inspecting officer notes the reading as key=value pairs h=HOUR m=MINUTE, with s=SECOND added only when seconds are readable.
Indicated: h=5 m=31 s=28
